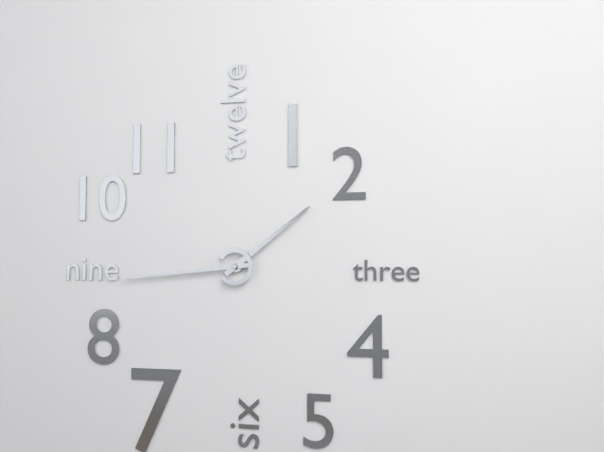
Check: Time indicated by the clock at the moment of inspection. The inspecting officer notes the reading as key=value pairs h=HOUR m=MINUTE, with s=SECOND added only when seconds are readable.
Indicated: h=1 m=44
